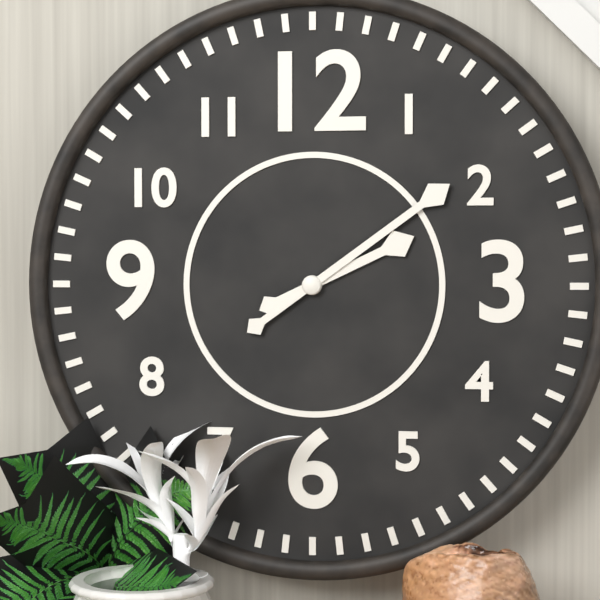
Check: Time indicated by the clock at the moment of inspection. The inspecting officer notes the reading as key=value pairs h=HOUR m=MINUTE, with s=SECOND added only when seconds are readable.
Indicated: h=2 m=9
